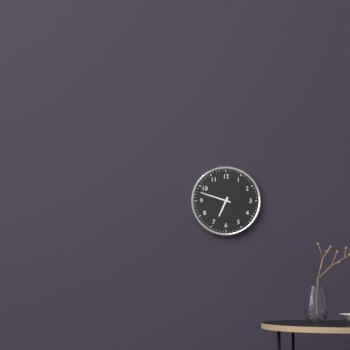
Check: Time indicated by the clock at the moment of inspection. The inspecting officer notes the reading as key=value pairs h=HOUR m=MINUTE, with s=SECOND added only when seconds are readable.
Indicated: h=6 m=48
